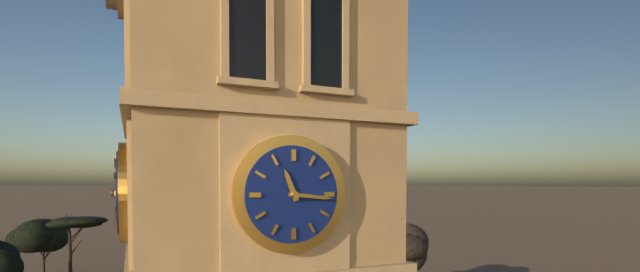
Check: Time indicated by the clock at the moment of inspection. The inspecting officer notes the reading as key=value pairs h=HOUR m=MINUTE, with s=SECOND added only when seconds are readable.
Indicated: h=11 m=16
